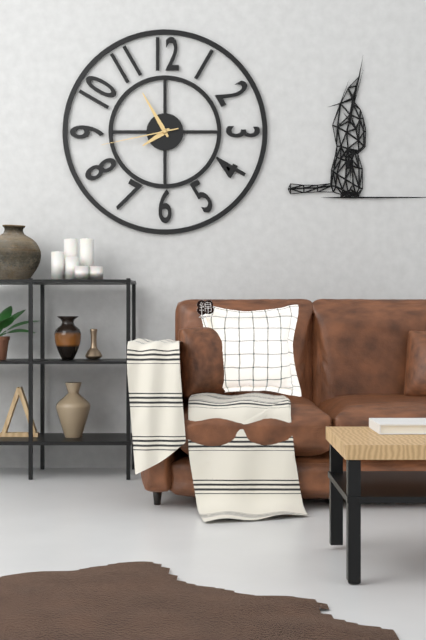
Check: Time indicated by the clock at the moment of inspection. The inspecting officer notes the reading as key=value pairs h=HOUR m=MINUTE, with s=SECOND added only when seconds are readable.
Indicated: h=7 m=55 s=43
